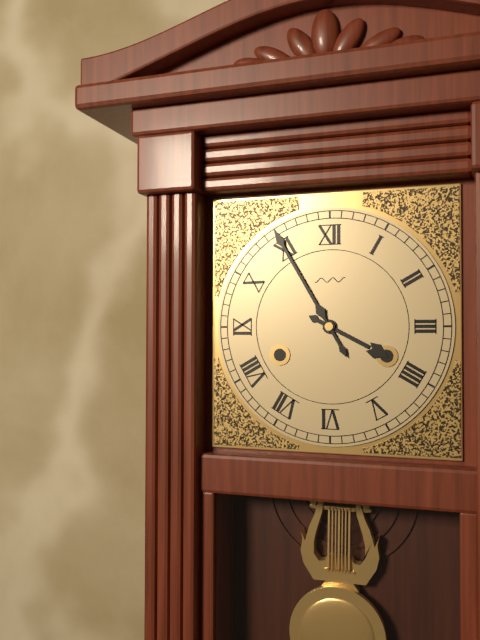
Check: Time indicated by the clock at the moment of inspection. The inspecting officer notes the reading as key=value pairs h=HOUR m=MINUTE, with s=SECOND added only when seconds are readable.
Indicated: h=3 m=55
